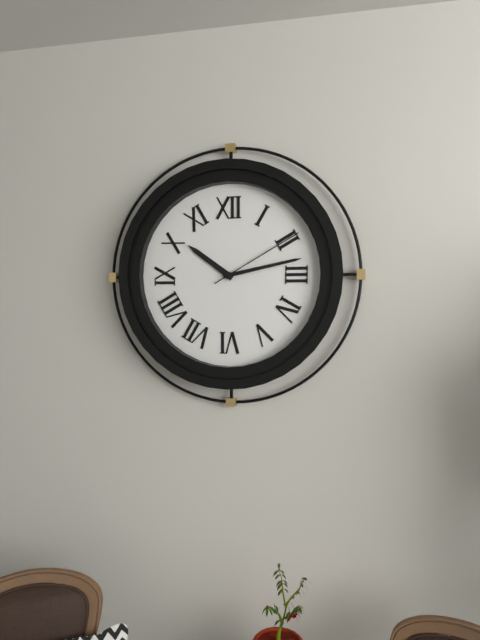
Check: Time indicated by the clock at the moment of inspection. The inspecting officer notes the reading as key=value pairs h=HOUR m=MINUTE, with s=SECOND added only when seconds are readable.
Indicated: h=10 m=13 s=10
